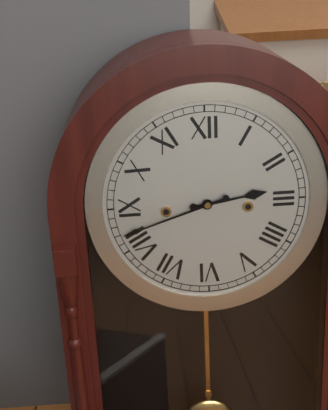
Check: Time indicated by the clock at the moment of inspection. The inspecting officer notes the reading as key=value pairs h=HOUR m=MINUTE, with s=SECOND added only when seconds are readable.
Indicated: h=2 m=42
